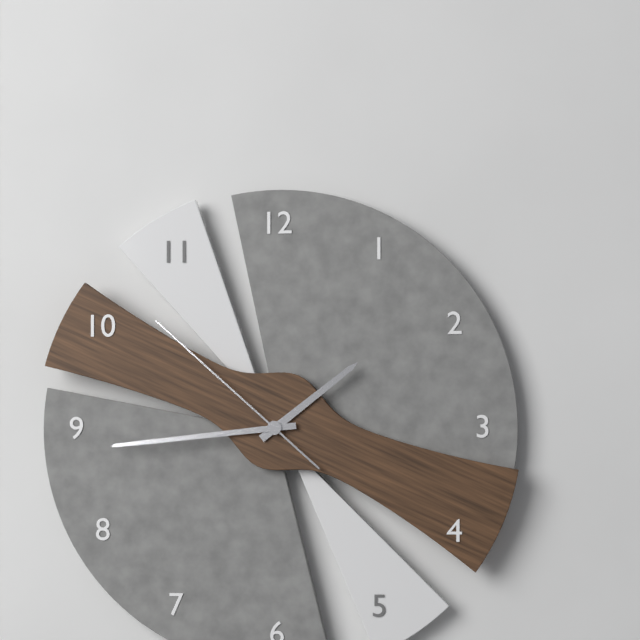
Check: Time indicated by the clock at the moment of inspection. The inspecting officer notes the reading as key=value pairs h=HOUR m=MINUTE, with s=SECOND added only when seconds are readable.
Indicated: h=1 m=44 s=52
